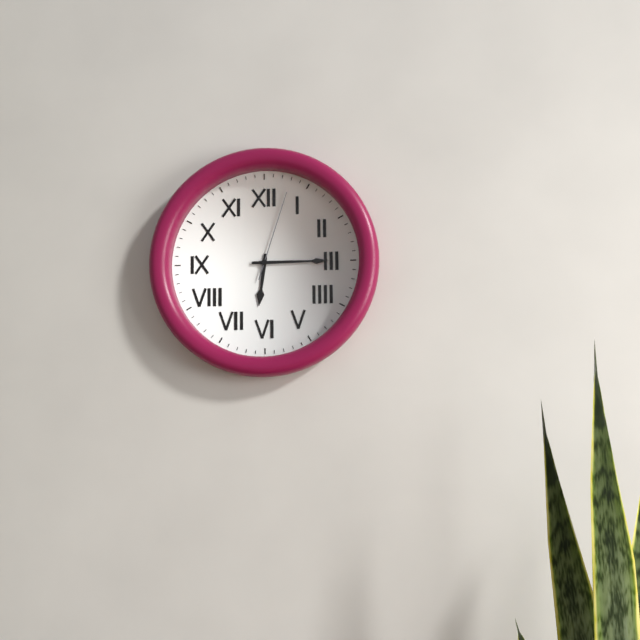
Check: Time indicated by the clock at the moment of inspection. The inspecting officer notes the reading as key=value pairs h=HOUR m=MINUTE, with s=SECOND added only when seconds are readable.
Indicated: h=6 m=15 s=3
